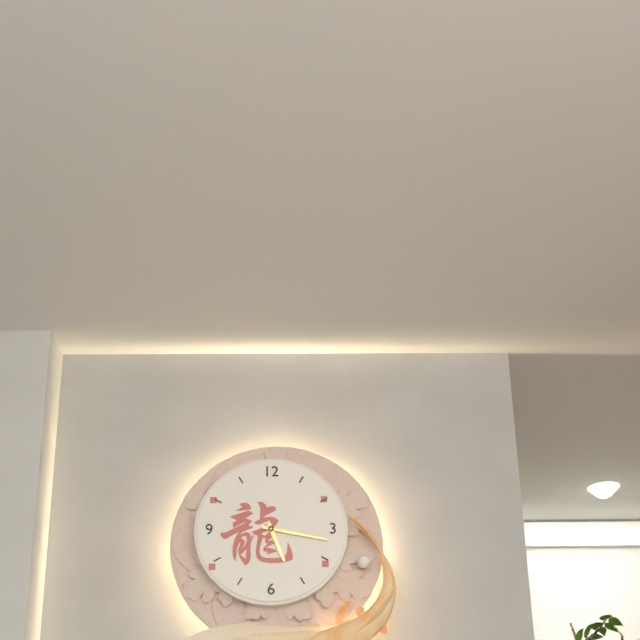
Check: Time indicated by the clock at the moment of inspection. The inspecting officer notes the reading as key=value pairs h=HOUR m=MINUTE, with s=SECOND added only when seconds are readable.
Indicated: h=5 m=17
